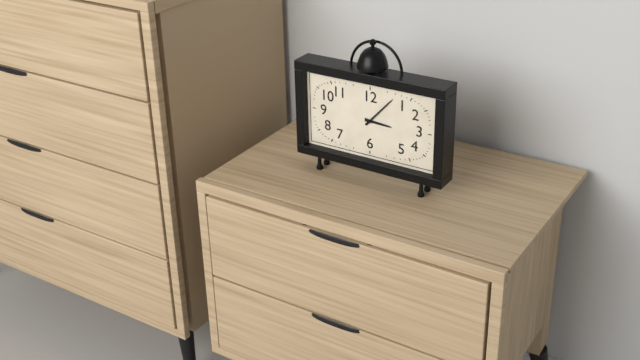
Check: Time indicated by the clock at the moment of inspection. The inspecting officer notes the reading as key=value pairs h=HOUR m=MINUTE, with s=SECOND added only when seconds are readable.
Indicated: h=3 m=7
